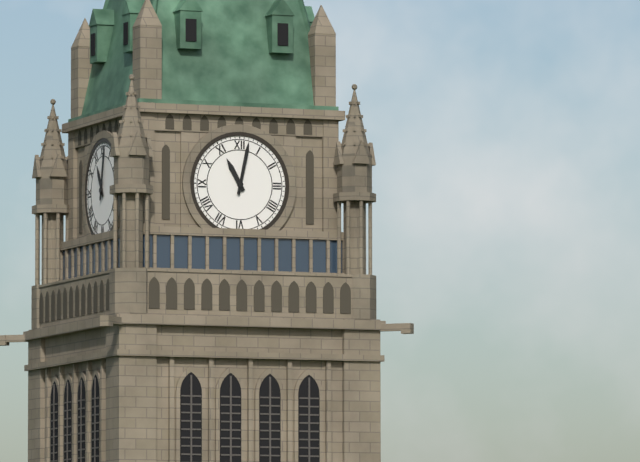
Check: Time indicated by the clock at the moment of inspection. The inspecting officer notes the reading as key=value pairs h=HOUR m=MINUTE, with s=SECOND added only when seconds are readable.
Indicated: h=11 m=2
